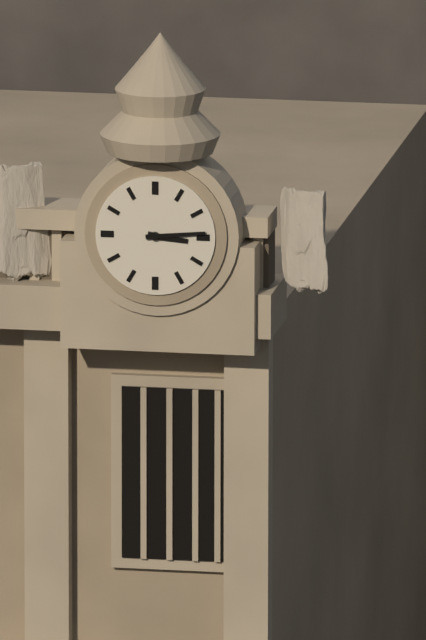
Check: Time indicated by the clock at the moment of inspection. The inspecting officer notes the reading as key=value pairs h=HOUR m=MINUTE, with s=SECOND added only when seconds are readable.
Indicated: h=3 m=14
